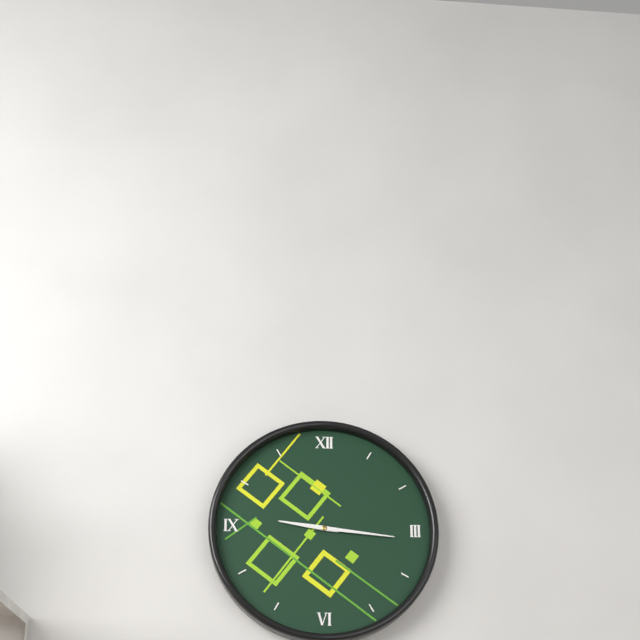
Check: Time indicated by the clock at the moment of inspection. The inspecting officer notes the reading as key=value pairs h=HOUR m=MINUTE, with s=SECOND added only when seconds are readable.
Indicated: h=9 m=16
